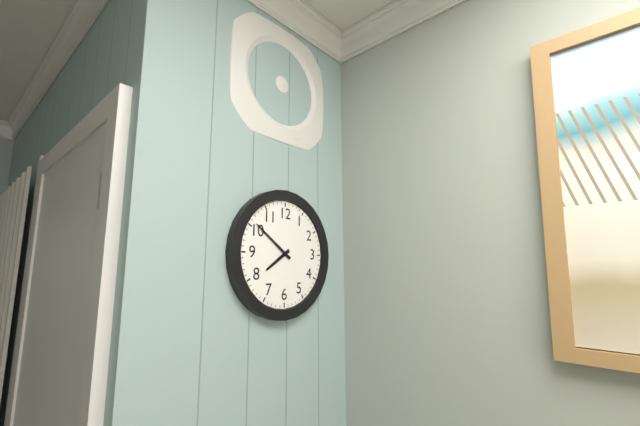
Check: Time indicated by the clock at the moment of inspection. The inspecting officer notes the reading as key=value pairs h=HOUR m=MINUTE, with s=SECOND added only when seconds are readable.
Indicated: h=7 m=51
